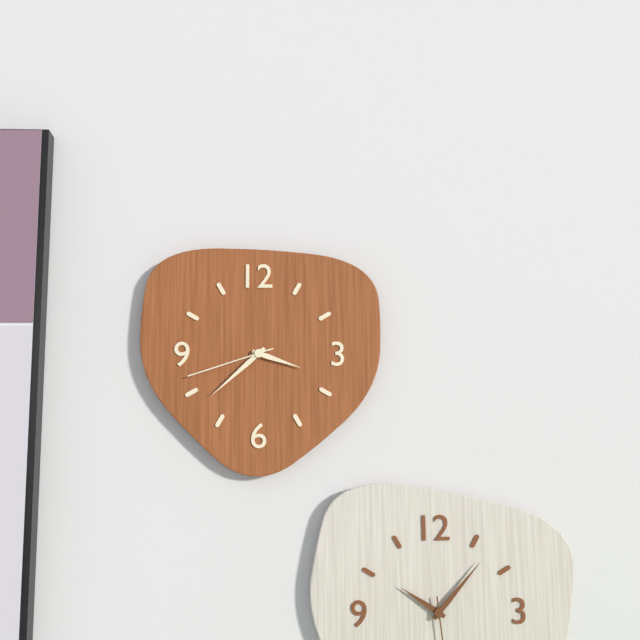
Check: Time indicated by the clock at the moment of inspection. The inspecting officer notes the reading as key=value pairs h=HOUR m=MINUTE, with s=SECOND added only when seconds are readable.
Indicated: h=3 m=38 s=42
